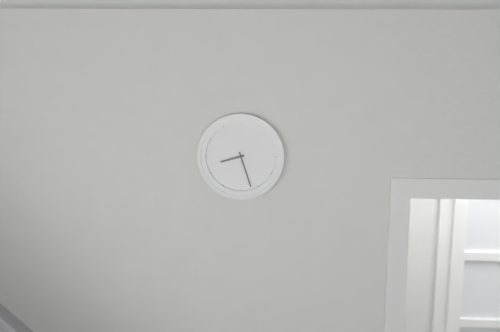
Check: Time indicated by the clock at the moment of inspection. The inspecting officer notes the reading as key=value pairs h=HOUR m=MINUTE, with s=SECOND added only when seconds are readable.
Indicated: h=8 m=27
